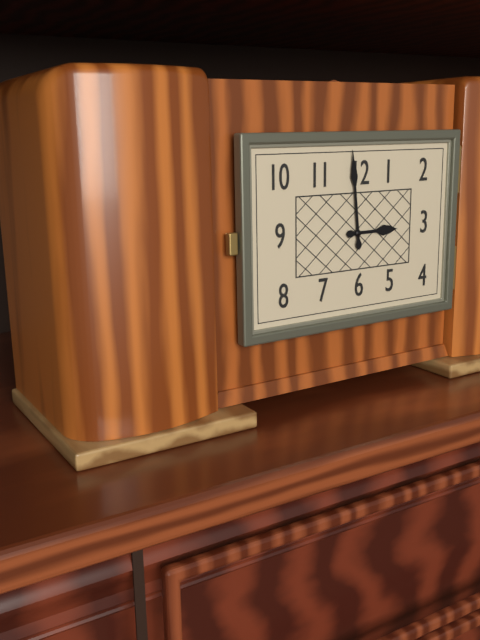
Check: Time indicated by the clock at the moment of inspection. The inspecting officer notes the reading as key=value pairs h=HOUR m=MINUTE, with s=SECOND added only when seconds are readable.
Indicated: h=2 m=59
